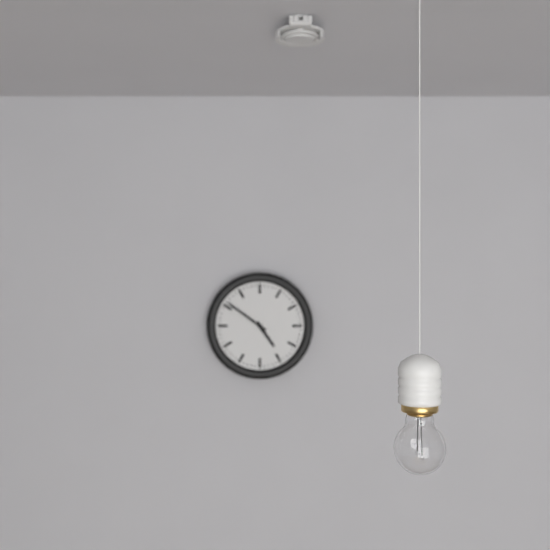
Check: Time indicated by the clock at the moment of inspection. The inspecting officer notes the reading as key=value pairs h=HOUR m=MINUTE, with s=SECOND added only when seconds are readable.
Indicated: h=4 m=51
